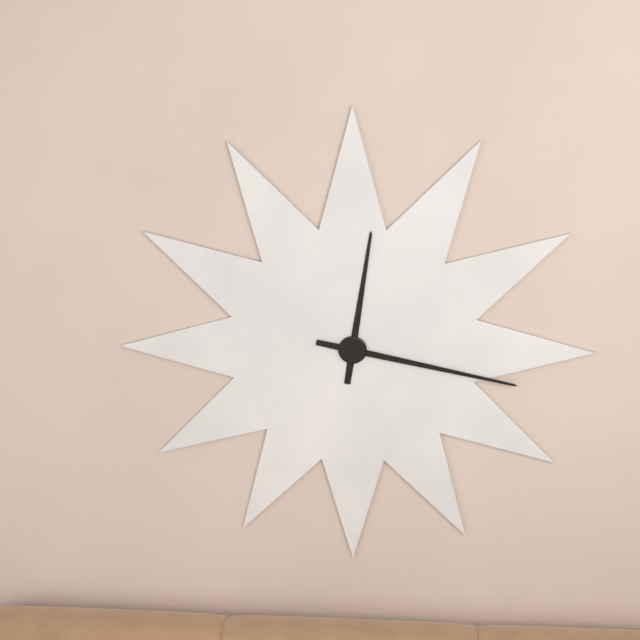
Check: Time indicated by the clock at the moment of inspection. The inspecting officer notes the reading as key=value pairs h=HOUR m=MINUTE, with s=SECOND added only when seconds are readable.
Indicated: h=12 m=17
